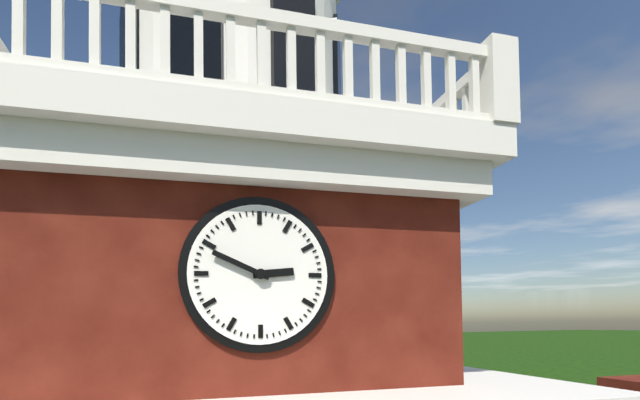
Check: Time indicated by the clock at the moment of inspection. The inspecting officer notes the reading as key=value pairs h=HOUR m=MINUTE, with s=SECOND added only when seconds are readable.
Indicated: h=2 m=49
